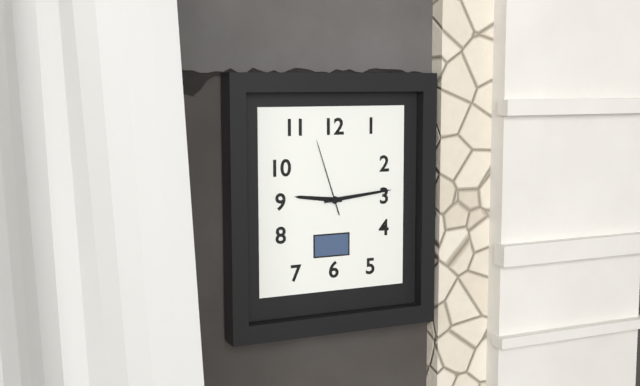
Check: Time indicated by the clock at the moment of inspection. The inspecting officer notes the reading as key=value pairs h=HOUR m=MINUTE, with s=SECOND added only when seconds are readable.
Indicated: h=9 m=14 s=57
